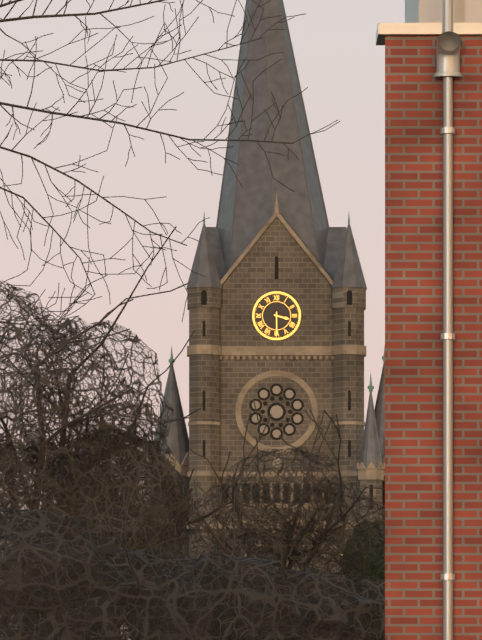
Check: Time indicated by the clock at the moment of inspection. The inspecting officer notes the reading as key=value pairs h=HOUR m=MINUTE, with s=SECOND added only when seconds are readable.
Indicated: h=3 m=30
